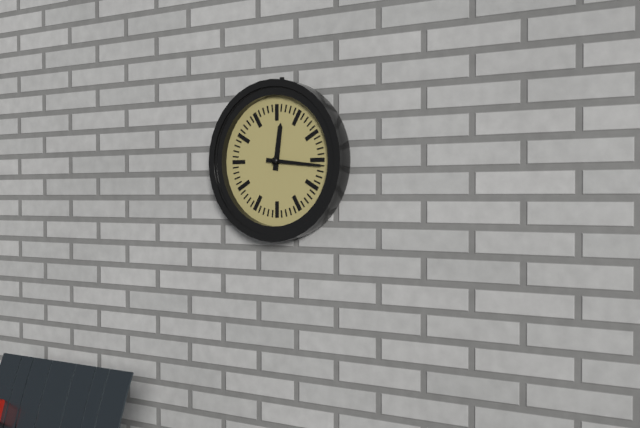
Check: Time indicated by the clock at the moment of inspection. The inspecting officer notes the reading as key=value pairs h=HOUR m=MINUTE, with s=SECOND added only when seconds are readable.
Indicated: h=12 m=16
